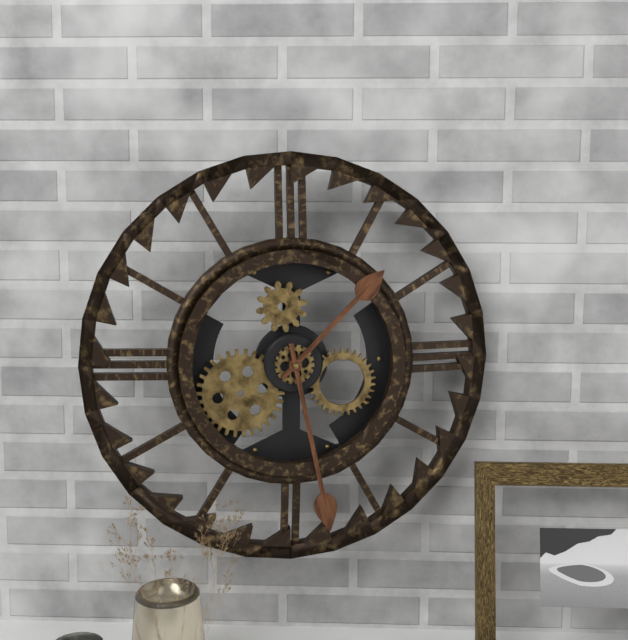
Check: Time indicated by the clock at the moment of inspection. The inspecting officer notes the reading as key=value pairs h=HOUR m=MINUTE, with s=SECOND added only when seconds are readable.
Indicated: h=1 m=28
